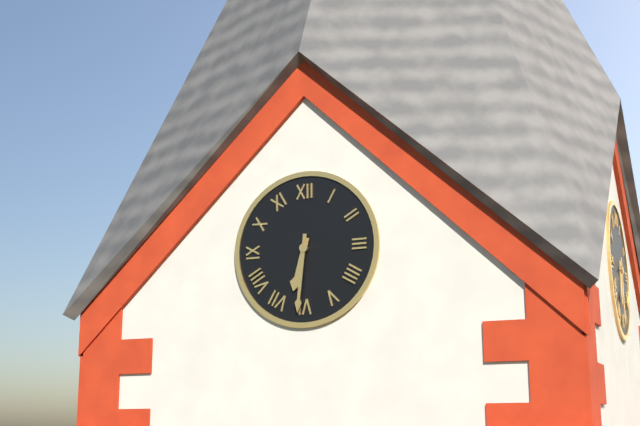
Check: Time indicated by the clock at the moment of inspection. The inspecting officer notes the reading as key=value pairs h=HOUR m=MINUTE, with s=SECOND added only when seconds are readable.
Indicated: h=6 m=31
